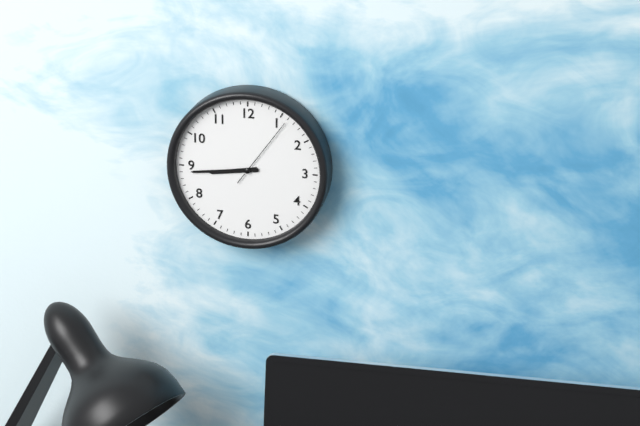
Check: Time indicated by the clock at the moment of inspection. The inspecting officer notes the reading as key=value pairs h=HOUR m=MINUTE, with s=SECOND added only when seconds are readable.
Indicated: h=8 m=44 s=6
